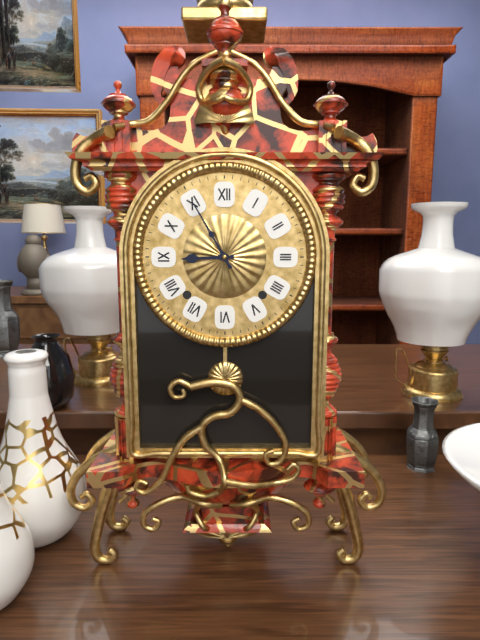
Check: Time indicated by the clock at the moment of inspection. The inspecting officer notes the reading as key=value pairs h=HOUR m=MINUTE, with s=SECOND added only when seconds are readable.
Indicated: h=8 m=55
